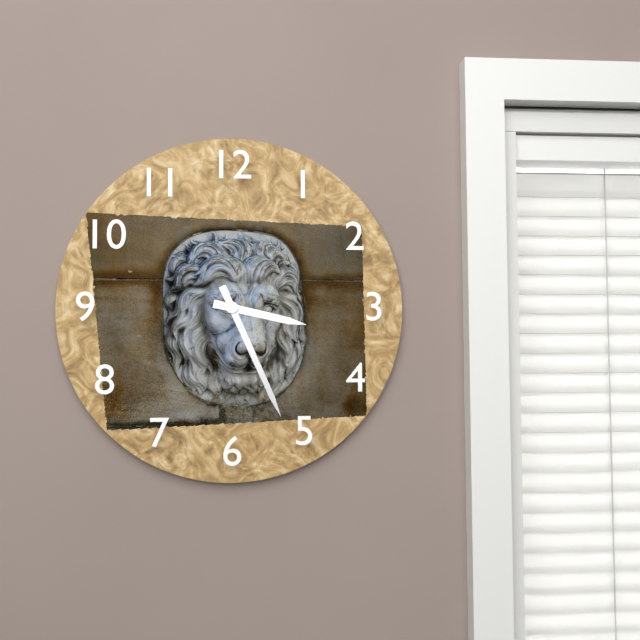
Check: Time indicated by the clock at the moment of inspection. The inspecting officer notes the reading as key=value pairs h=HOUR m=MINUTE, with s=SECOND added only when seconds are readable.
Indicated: h=3 m=26
